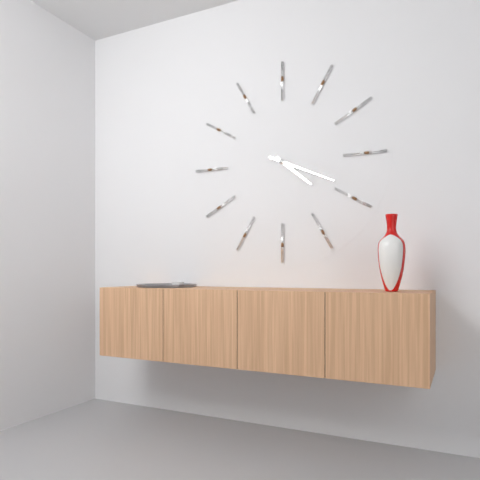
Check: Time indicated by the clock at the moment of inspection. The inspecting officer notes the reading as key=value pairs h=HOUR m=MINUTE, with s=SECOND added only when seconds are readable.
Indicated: h=4 m=19
